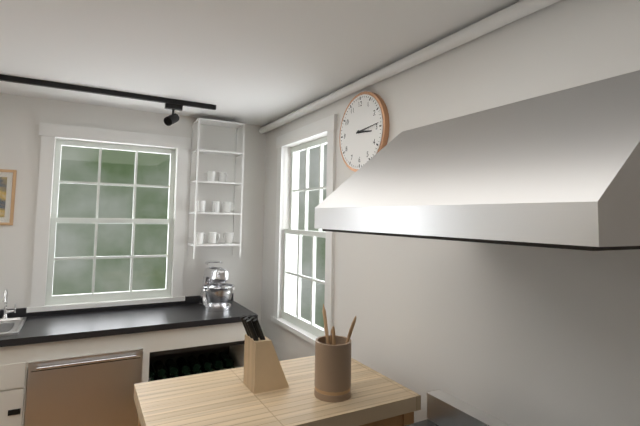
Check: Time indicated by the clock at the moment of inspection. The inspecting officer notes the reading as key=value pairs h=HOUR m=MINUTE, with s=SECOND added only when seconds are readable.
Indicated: h=3 m=14
